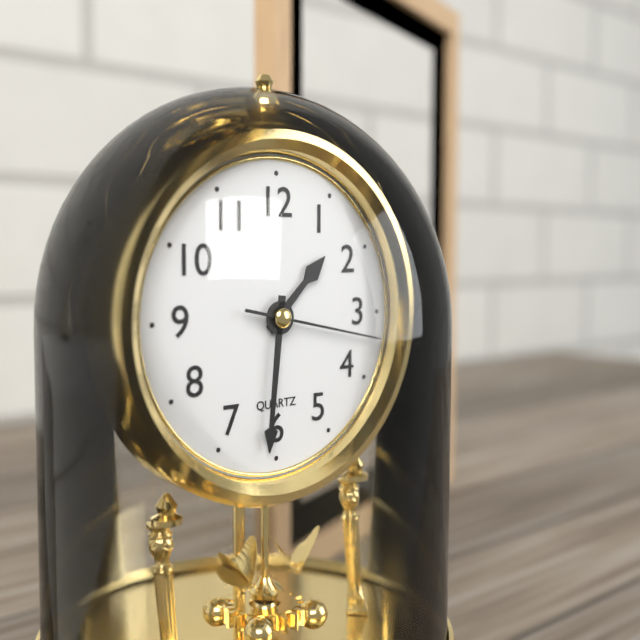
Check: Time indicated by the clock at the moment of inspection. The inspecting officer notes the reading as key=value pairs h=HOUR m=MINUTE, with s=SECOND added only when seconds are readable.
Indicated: h=1 m=31 s=17
